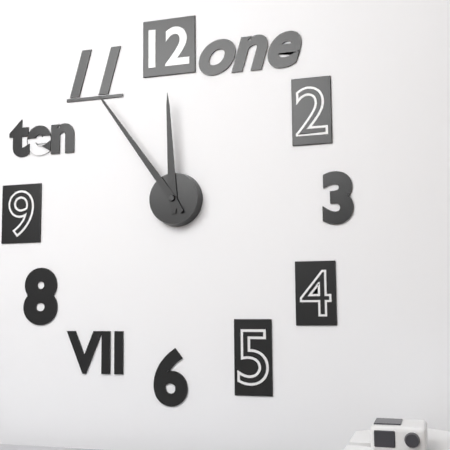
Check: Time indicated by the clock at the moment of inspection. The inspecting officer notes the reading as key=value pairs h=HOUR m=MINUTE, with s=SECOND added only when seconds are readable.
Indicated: h=11 m=54
